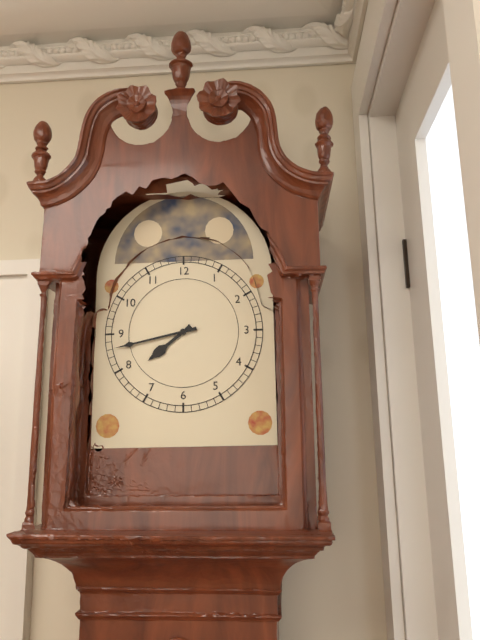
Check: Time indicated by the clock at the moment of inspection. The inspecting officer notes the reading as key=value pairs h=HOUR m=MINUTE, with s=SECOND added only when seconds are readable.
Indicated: h=7 m=43
